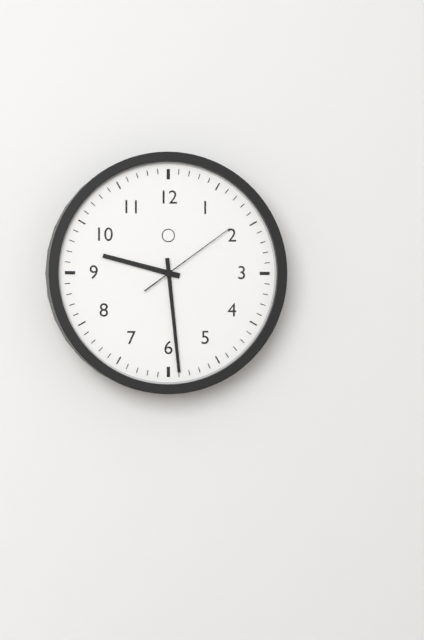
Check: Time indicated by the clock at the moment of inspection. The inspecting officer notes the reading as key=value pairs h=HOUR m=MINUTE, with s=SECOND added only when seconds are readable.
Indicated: h=9 m=29 s=9
